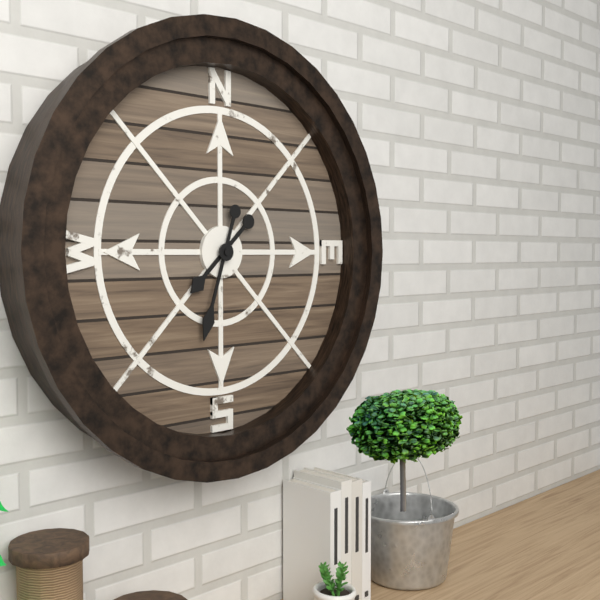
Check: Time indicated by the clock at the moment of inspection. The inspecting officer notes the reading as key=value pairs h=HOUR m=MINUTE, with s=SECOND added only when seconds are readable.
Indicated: h=7 m=33
